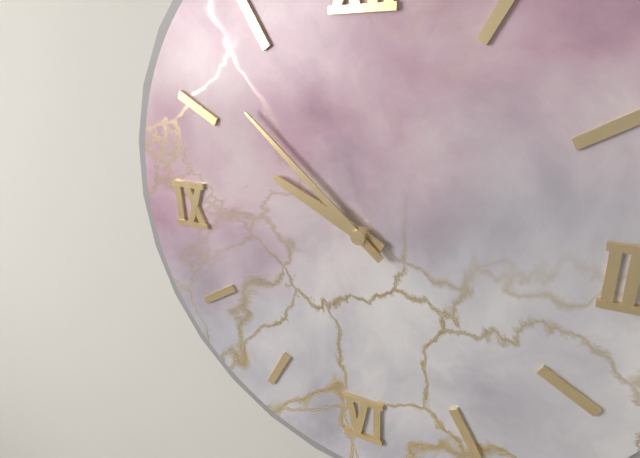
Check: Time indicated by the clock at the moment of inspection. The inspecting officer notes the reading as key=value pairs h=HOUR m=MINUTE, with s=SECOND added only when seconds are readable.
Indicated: h=9 m=52
